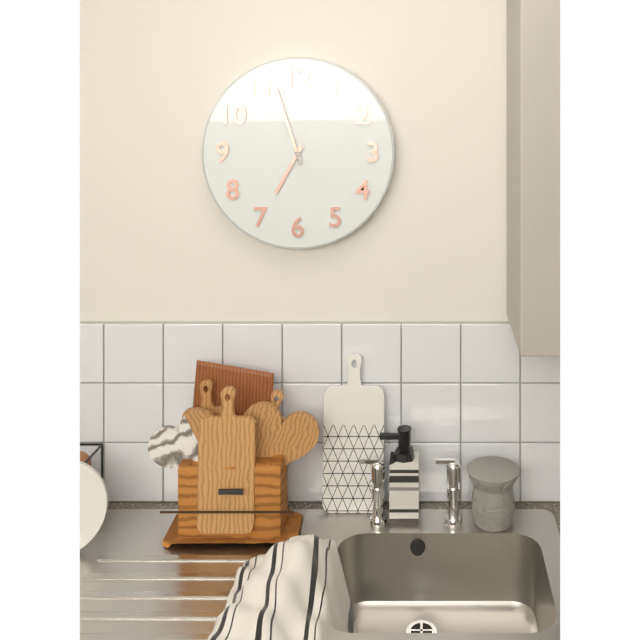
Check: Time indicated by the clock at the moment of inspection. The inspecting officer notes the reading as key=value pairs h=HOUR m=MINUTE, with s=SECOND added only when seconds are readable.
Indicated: h=6 m=57
